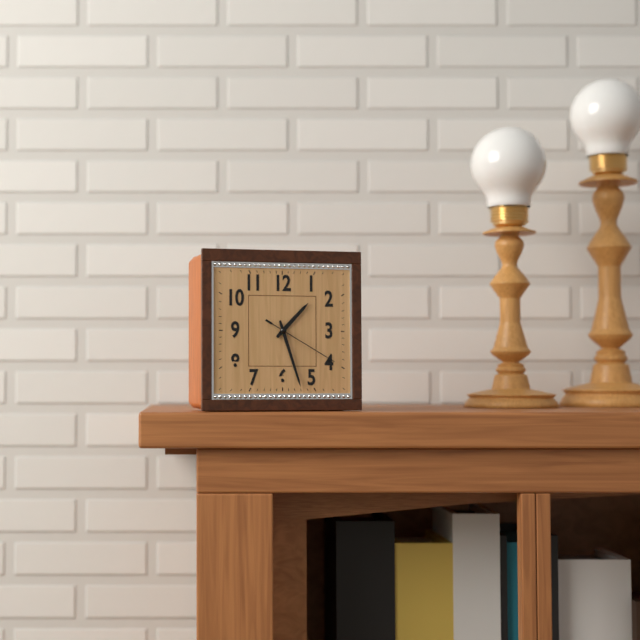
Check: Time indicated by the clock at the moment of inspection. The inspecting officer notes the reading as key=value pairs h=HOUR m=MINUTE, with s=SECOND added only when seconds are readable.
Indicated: h=1 m=27 s=20
